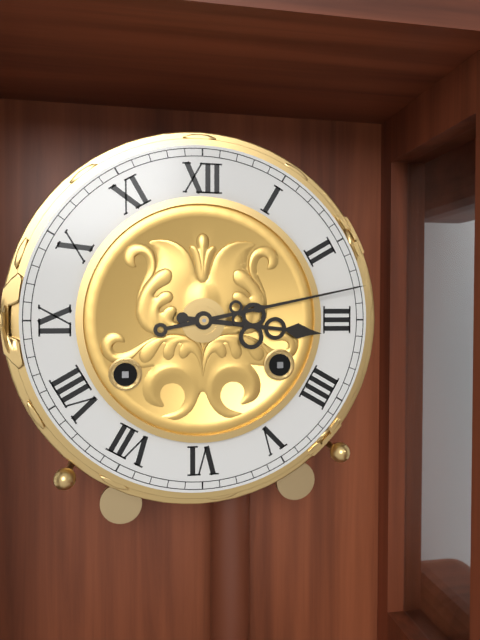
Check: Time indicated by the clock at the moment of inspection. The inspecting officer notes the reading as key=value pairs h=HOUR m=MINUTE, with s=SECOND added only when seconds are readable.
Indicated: h=3 m=13
